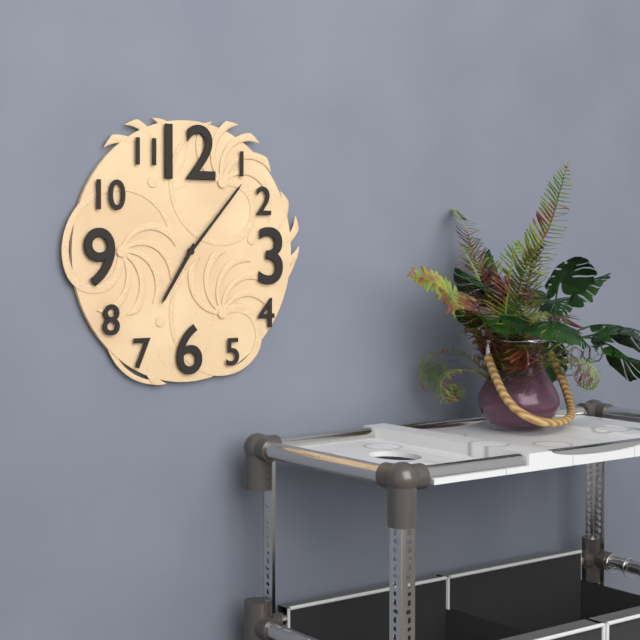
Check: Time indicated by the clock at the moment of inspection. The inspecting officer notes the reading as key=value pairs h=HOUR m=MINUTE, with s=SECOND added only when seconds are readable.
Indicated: h=7 m=7
